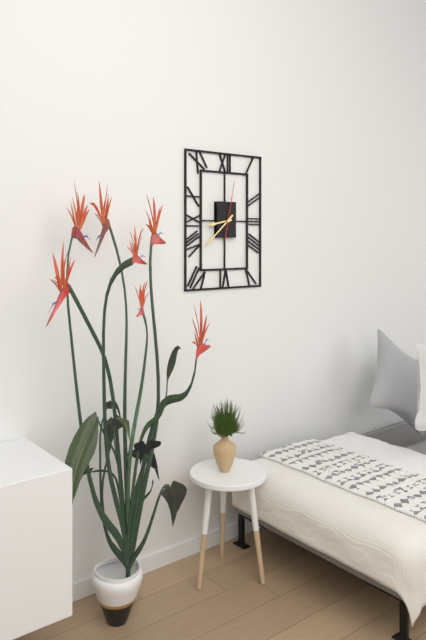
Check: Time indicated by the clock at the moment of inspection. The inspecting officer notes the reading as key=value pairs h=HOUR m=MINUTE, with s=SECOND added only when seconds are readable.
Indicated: h=8 m=38 s=2
